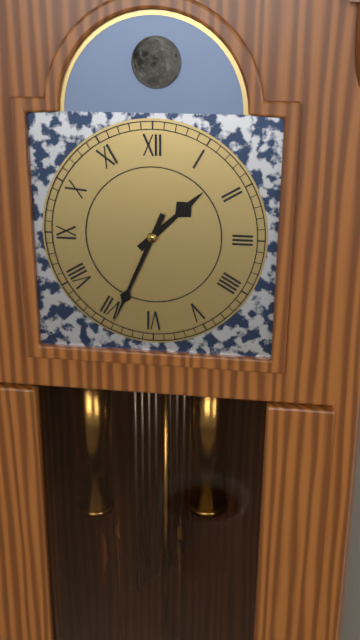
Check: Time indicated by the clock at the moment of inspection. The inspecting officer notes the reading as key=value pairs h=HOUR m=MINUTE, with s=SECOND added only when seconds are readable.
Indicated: h=1 m=34
